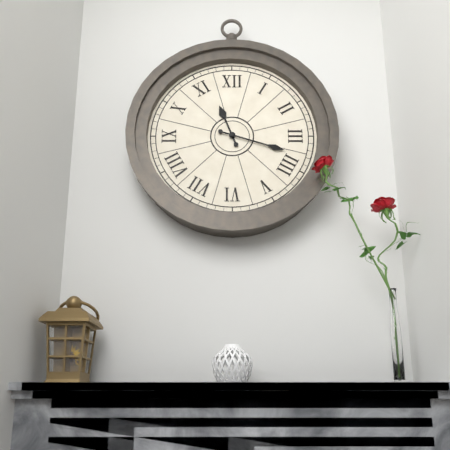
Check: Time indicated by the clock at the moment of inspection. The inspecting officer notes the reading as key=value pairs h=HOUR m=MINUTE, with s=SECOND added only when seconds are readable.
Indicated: h=11 m=18
